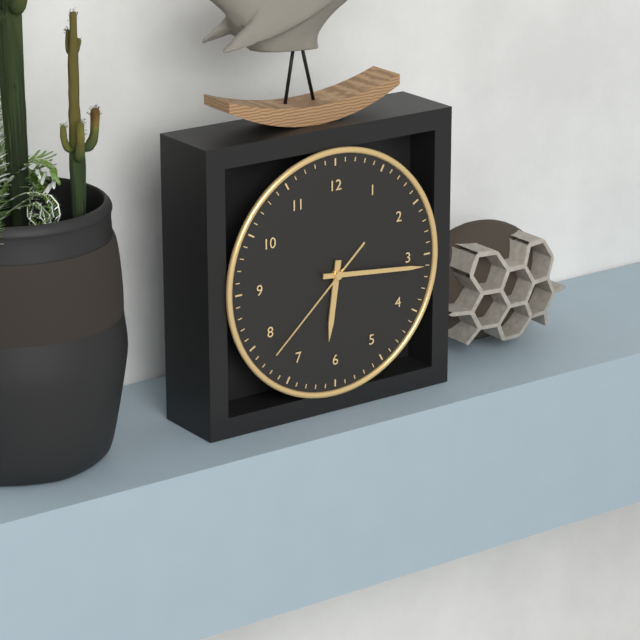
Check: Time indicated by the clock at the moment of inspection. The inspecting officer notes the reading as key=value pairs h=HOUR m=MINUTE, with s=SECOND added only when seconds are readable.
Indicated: h=6 m=16 s=38
